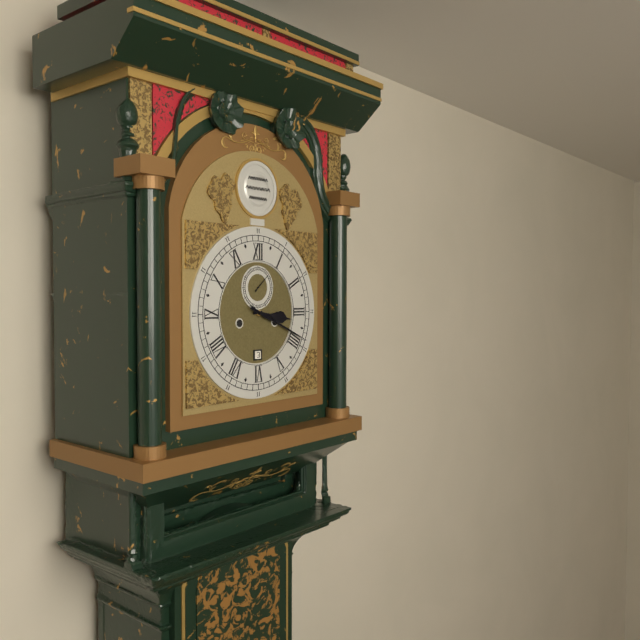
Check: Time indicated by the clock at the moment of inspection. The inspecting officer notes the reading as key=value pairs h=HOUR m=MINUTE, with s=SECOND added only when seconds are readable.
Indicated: h=3 m=19
